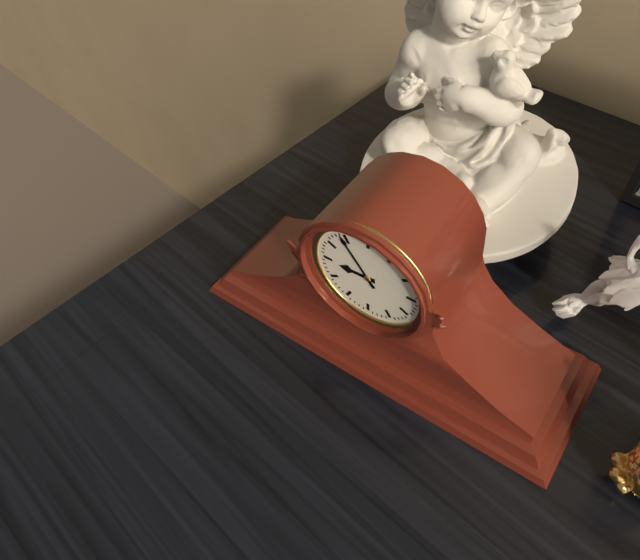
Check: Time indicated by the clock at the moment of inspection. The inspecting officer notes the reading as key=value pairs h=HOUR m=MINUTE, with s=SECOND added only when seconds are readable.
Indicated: h=8 m=54
